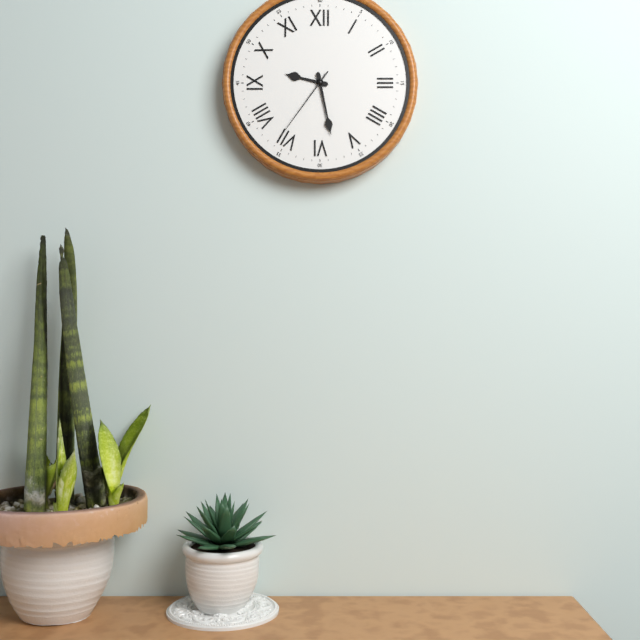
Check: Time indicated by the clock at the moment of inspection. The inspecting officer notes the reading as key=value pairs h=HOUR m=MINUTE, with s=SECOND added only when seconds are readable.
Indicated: h=9 m=28 s=36
